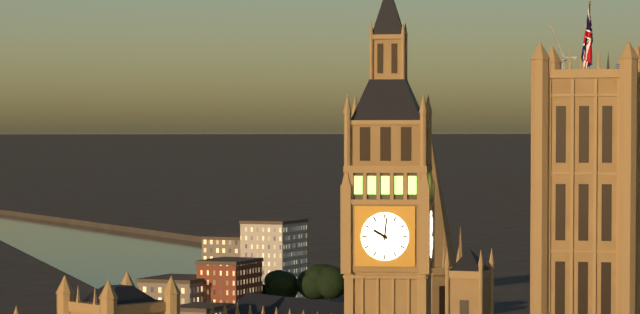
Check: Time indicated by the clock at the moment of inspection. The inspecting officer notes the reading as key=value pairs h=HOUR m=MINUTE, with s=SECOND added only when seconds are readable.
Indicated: h=10 m=1
